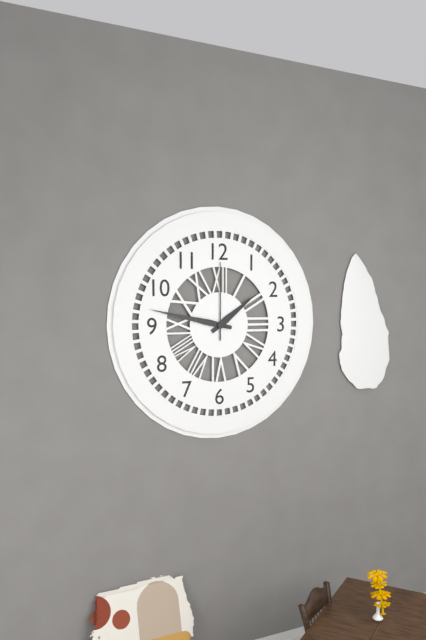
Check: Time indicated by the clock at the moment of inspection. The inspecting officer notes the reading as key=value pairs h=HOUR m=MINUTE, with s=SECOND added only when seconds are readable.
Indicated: h=1 m=47 s=0
